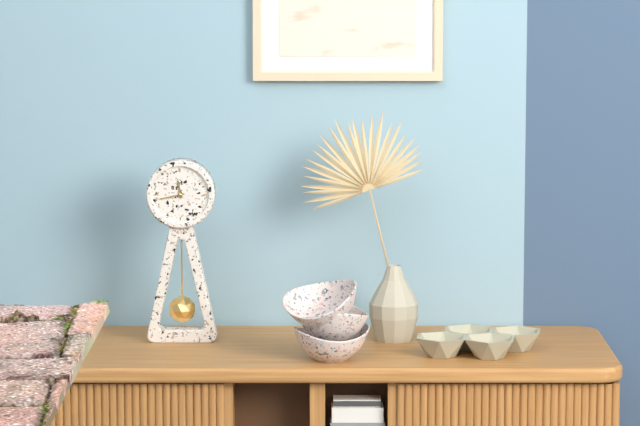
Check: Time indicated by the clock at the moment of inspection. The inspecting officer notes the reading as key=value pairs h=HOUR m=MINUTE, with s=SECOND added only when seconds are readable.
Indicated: h=11 m=43
